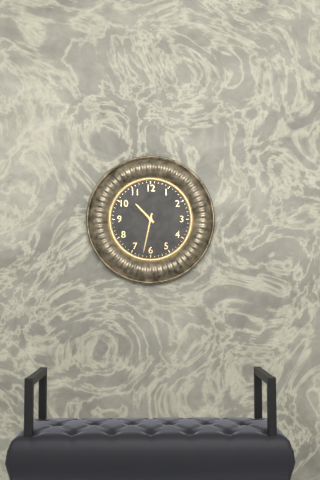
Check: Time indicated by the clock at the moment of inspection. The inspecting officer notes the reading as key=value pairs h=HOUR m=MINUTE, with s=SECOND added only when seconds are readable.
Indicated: h=10 m=32
